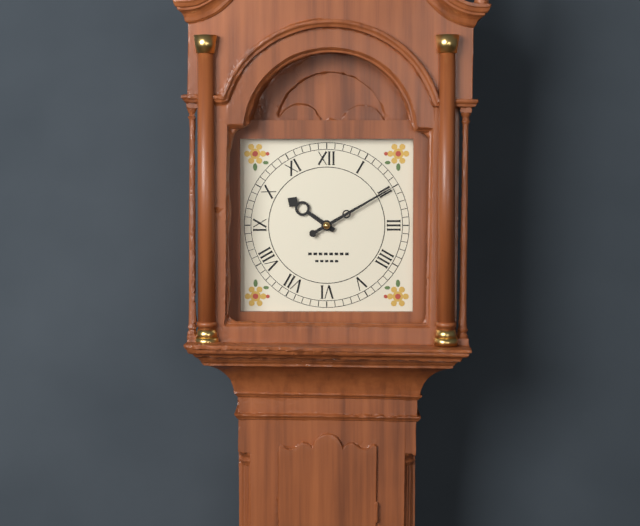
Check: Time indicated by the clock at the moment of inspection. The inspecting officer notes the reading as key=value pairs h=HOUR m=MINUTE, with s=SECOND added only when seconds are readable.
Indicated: h=10 m=10
